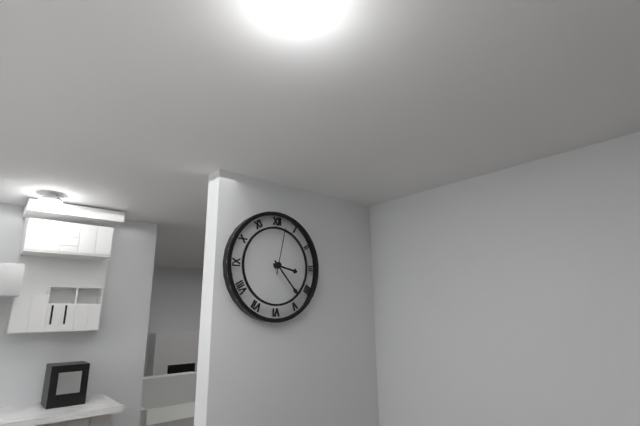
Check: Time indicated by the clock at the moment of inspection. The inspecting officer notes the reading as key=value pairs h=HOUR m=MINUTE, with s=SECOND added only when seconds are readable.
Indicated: h=3 m=23 s=2
